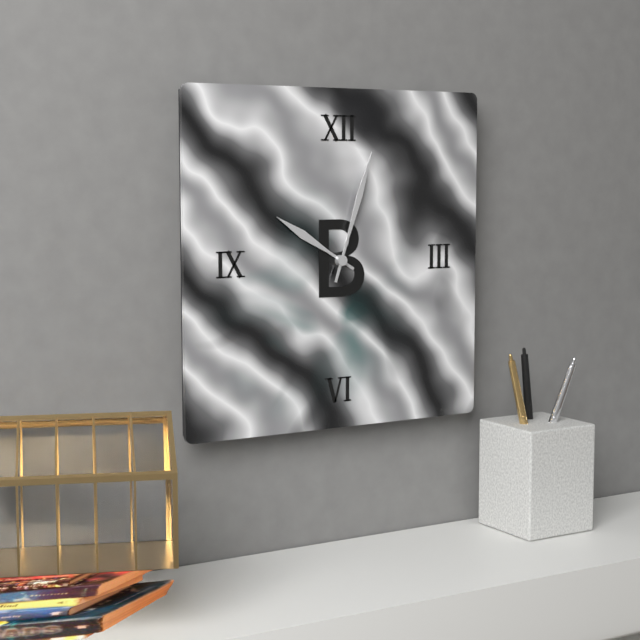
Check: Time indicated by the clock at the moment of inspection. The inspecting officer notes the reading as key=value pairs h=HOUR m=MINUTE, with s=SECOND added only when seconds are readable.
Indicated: h=10 m=3
